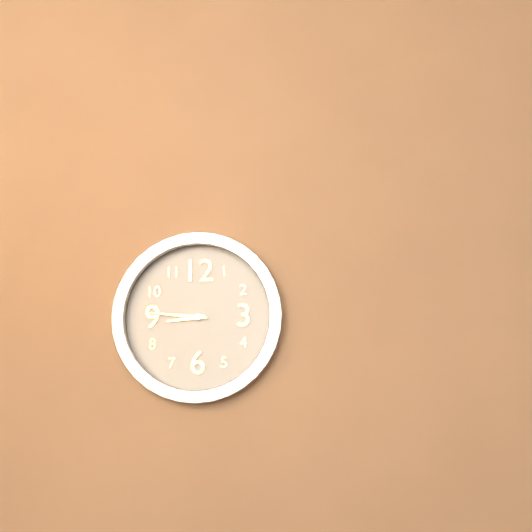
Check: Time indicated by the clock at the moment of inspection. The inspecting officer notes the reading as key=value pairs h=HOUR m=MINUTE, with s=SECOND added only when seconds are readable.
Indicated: h=8 m=46
